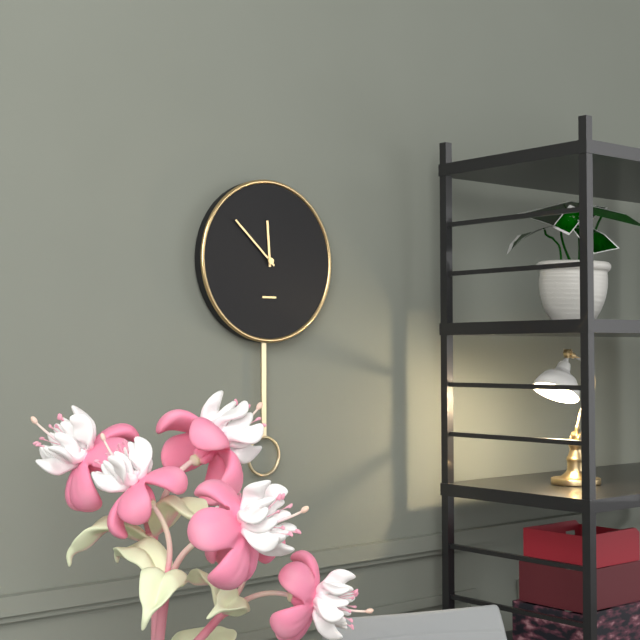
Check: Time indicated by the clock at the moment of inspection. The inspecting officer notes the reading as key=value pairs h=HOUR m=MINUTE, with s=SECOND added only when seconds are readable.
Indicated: h=11 m=52
